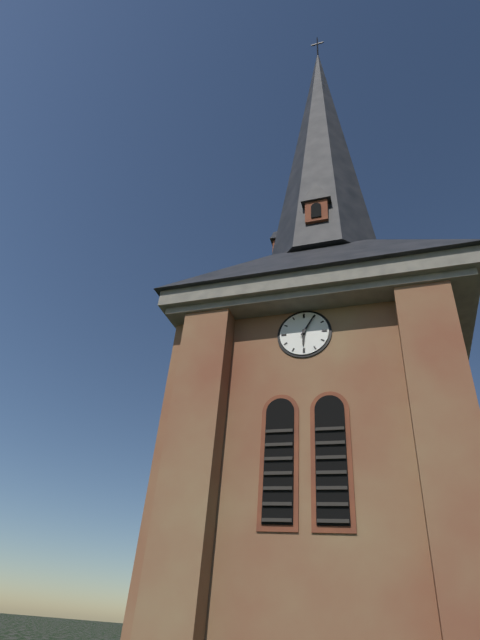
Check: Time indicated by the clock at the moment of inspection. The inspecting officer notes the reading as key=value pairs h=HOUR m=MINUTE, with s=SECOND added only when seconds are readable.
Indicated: h=6 m=5
